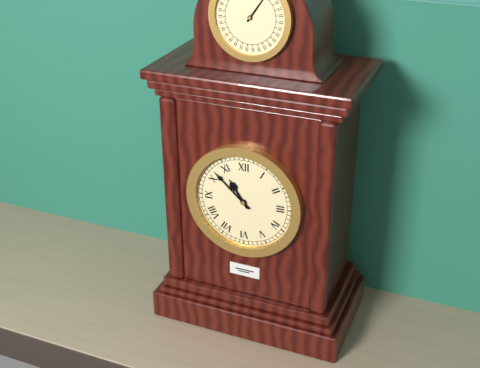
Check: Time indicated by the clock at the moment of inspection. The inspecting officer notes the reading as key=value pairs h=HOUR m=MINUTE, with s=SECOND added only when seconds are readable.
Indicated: h=10 m=52
